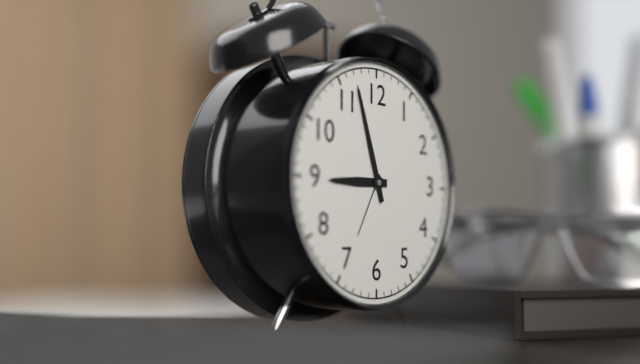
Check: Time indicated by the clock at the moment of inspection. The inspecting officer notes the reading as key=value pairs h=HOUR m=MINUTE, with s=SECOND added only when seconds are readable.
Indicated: h=8 m=57
